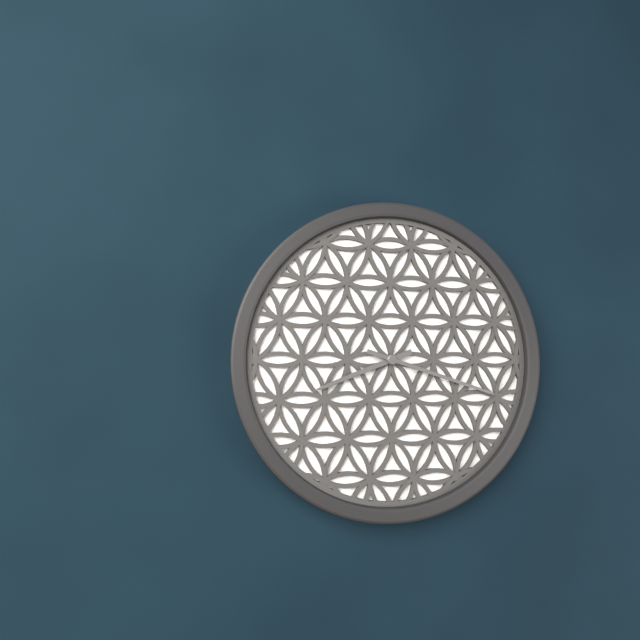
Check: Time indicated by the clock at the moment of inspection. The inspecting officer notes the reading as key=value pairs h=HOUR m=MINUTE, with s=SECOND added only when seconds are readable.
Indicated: h=8 m=18
